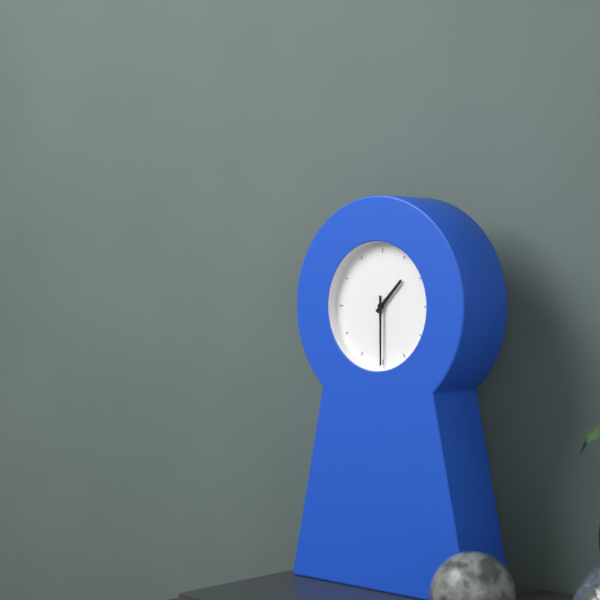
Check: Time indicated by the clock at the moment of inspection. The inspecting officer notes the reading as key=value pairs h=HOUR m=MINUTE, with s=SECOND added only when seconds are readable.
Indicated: h=1 m=30
